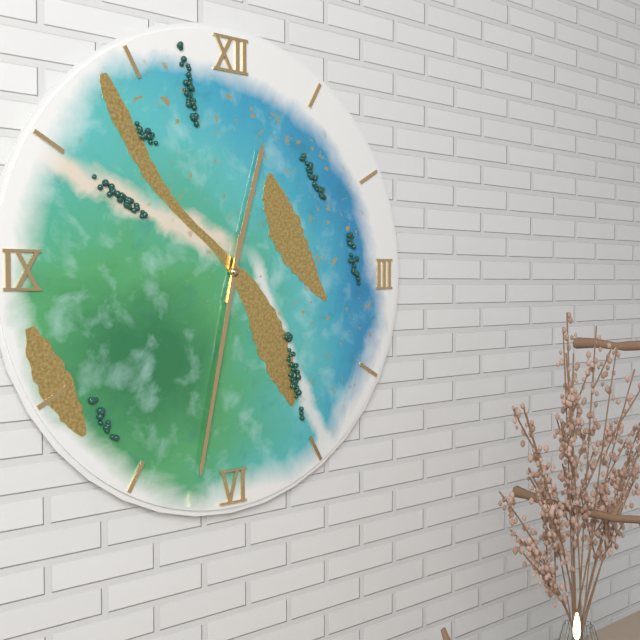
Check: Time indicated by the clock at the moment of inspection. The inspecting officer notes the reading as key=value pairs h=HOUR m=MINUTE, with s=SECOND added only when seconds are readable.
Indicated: h=12 m=32
